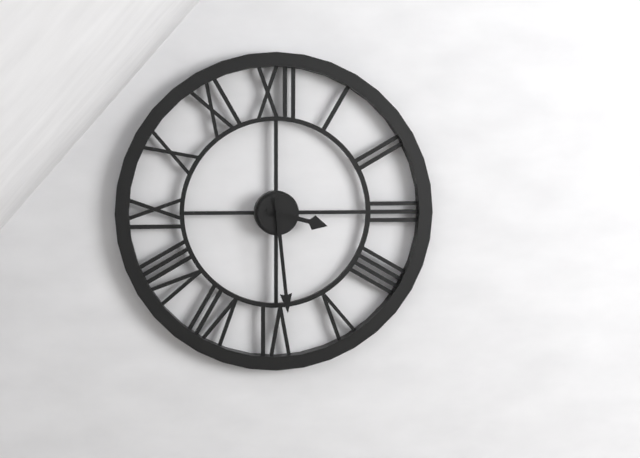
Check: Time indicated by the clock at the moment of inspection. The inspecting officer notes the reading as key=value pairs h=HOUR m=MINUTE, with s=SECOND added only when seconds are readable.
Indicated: h=3 m=29
